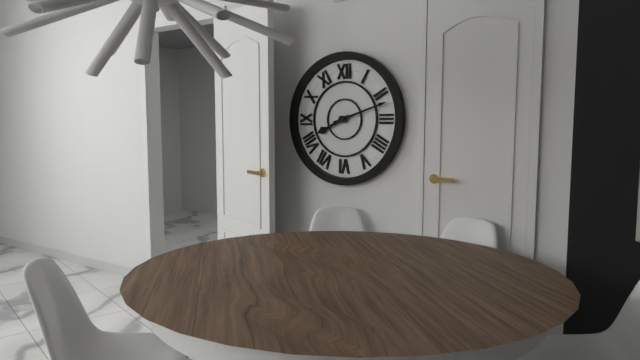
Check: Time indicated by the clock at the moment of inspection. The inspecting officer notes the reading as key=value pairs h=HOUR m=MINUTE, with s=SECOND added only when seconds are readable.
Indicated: h=8 m=12
